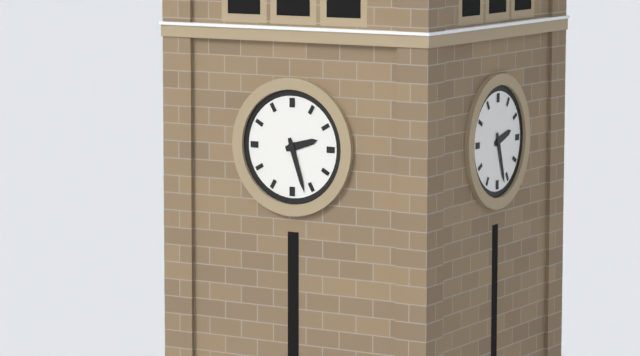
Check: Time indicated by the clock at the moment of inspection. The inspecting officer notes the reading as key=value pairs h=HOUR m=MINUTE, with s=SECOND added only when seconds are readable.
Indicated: h=2 m=27
